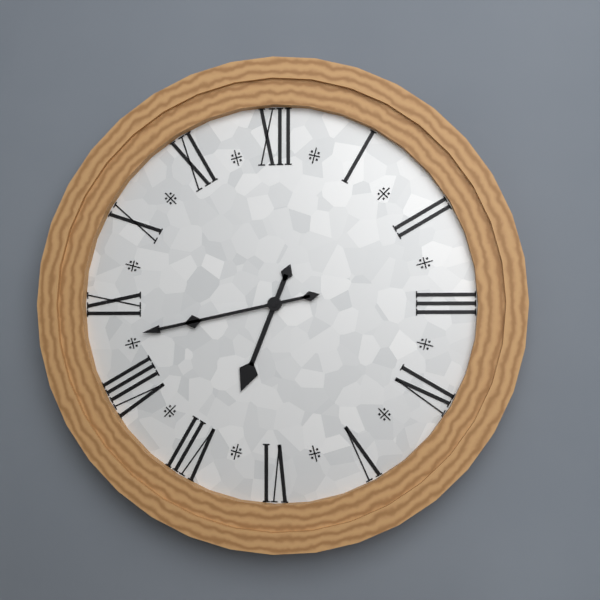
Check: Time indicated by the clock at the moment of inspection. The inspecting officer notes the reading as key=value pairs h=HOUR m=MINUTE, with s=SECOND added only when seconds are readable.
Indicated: h=6 m=43
